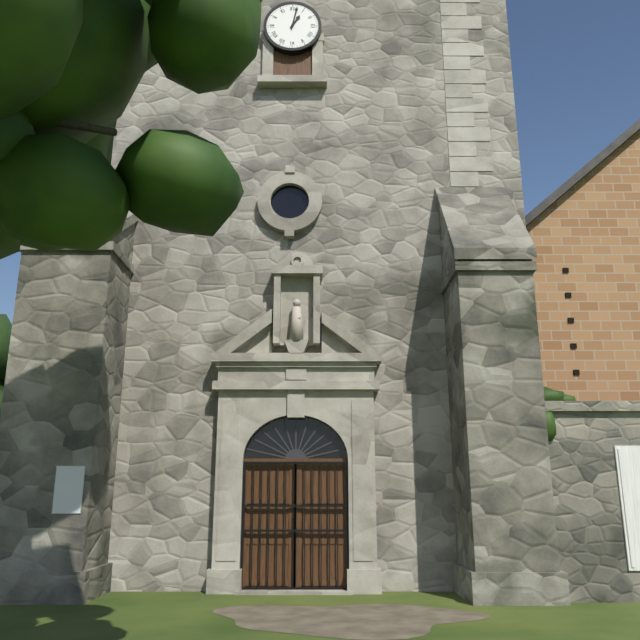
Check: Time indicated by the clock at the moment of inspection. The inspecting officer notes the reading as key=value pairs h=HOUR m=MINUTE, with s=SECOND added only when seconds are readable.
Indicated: h=1 m=2
